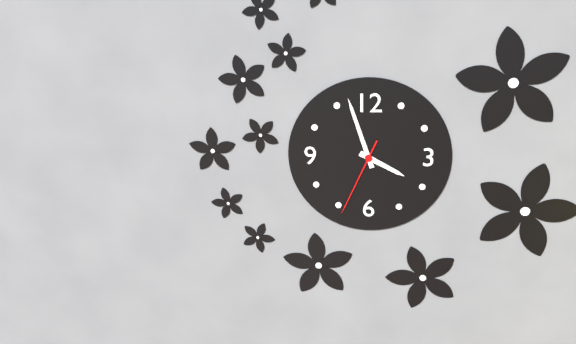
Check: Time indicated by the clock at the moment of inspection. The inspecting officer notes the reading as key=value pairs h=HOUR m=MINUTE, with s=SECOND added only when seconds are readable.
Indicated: h=3 m=57 s=34
